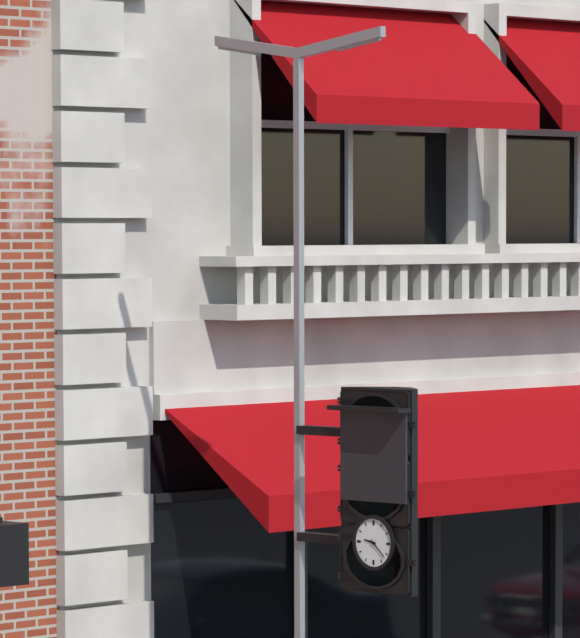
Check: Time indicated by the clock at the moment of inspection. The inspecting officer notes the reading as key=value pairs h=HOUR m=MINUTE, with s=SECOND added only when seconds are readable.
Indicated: h=9 m=22
